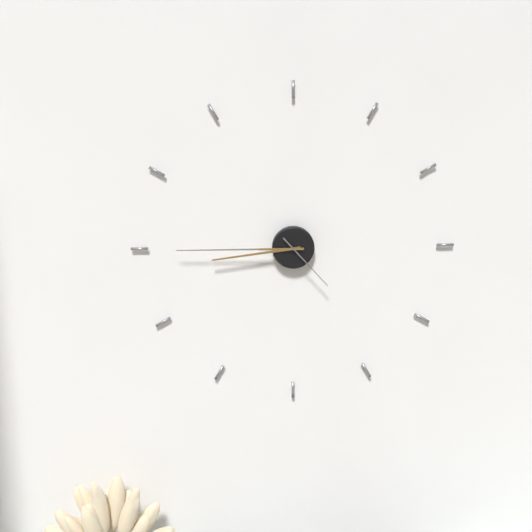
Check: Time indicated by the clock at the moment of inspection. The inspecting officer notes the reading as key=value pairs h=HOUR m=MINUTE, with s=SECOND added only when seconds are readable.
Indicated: h=8 m=45 s=23
